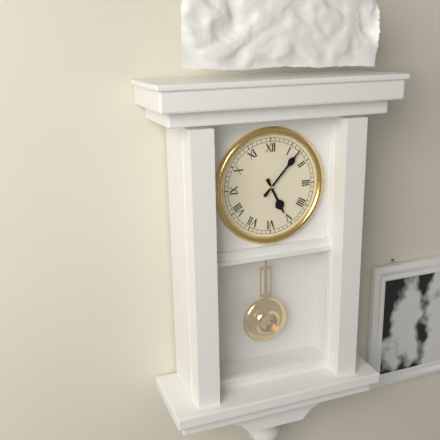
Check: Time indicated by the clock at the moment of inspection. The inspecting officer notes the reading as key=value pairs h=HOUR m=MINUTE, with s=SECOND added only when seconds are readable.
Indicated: h=5 m=7
